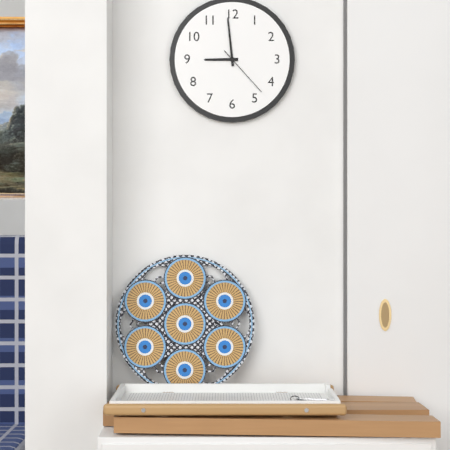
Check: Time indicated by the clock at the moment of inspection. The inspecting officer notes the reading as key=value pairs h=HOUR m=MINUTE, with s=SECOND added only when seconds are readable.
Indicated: h=8 m=59 s=23
